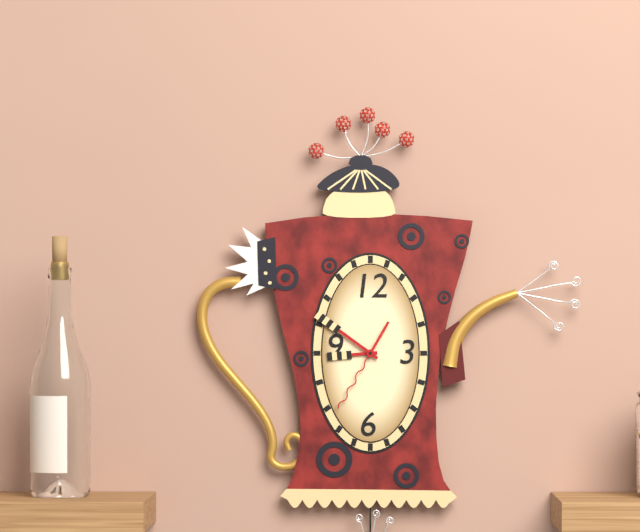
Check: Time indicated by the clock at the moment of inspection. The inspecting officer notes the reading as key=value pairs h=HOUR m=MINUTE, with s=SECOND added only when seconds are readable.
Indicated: h=8 m=51 s=35
